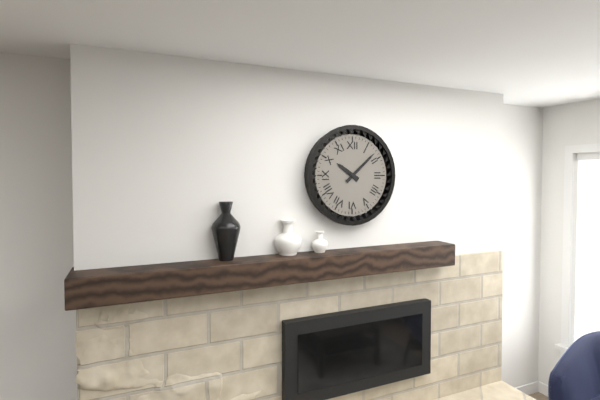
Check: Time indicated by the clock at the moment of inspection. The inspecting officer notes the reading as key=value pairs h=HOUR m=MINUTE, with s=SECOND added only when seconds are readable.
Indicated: h=10 m=8
